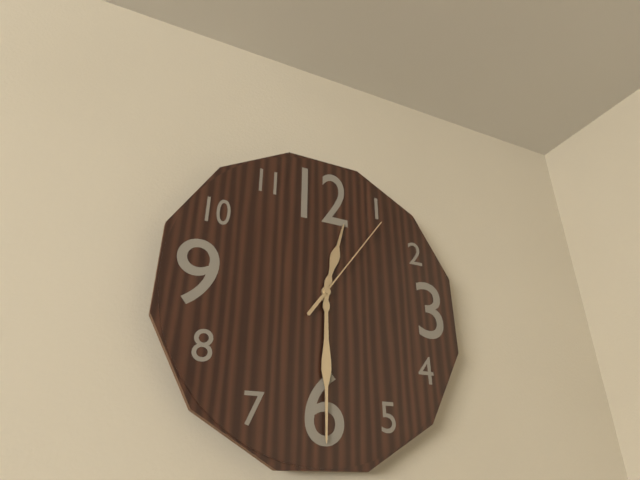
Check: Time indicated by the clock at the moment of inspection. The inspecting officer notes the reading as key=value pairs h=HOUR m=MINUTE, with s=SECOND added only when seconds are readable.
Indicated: h=12 m=30 s=6
